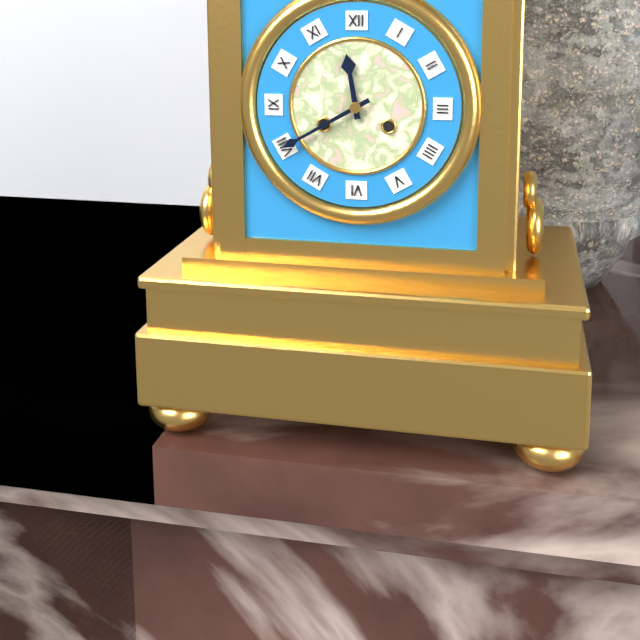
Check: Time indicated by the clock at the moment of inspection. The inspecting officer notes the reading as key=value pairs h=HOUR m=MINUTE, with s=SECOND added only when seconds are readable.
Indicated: h=11 m=40
